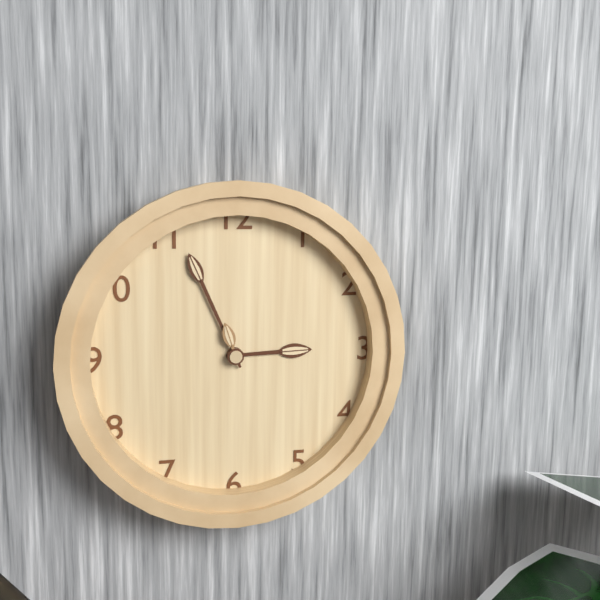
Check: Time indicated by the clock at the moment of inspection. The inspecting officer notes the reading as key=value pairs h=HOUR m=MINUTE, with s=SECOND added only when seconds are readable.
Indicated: h=2 m=56
